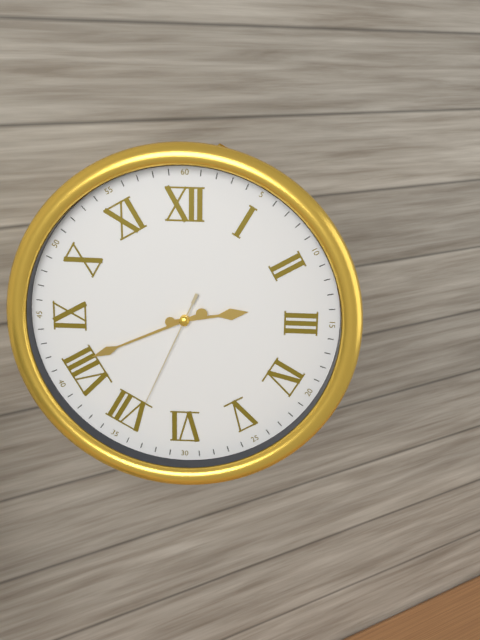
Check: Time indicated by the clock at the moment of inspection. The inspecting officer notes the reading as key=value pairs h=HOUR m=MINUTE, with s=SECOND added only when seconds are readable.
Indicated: h=2 m=41 s=34
